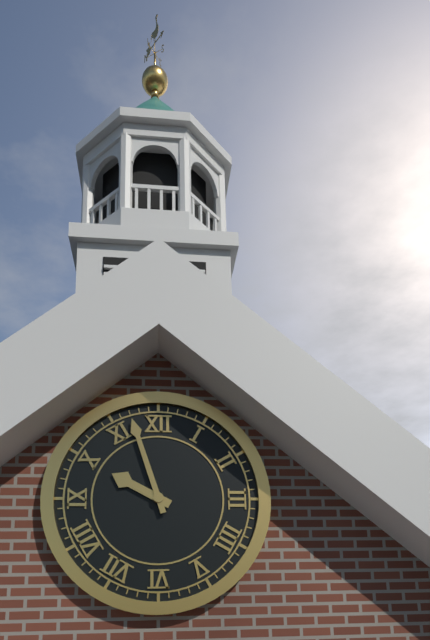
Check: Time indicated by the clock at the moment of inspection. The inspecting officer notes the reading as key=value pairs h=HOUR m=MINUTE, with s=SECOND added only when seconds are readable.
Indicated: h=9 m=57
